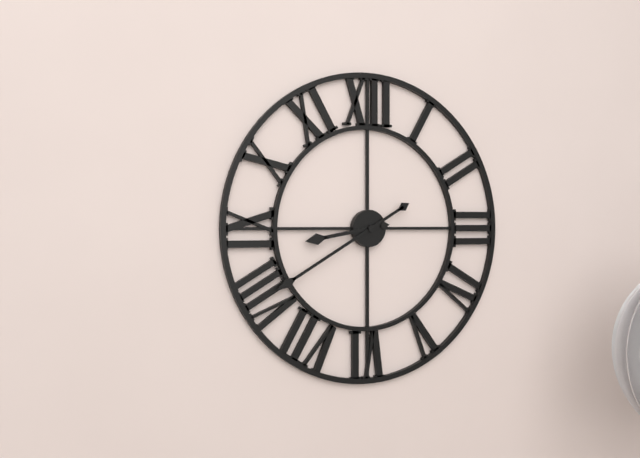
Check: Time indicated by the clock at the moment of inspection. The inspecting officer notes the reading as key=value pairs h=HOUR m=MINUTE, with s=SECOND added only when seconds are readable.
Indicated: h=8 m=40
